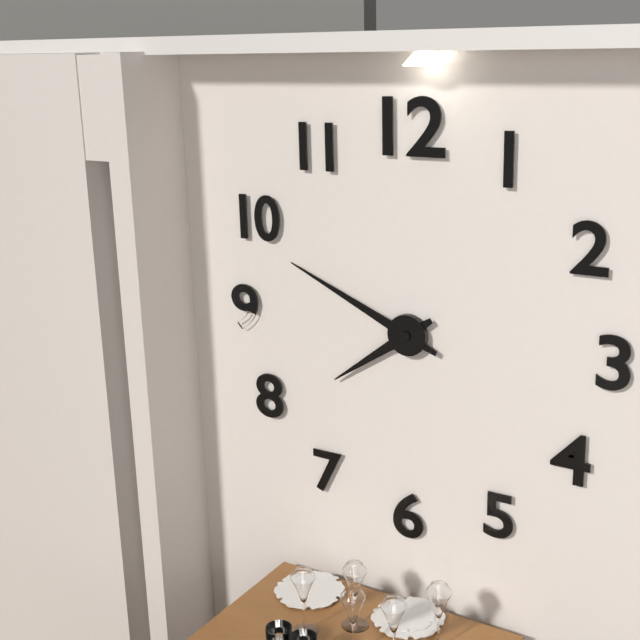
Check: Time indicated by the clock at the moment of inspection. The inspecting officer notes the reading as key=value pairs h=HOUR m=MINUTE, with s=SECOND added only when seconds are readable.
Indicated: h=7 m=49
